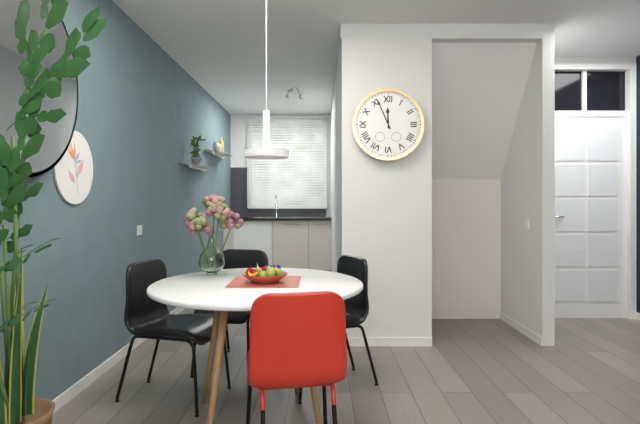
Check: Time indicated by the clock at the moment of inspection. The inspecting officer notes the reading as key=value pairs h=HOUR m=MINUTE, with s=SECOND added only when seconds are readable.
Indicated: h=11 m=56
